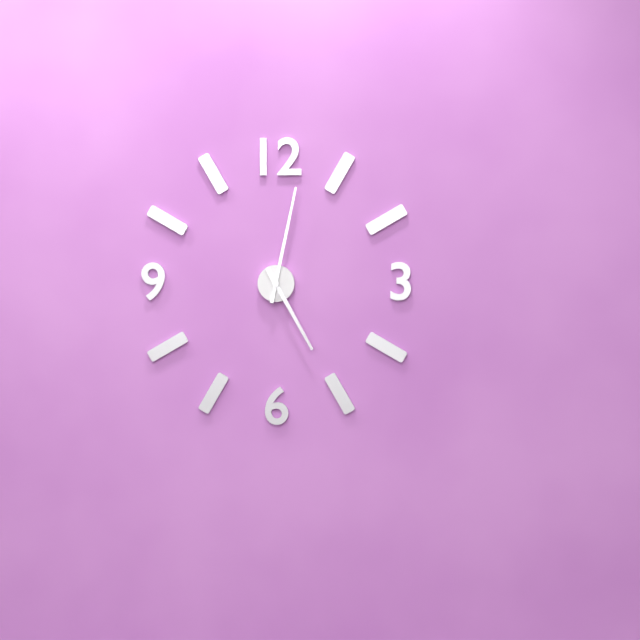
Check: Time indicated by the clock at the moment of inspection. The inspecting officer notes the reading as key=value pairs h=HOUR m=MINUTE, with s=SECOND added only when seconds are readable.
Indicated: h=5 m=2
